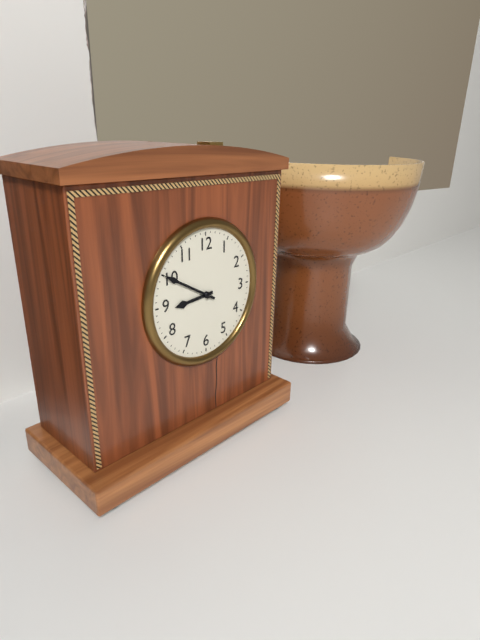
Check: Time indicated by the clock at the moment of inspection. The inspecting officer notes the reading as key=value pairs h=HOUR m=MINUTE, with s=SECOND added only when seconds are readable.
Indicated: h=8 m=50
